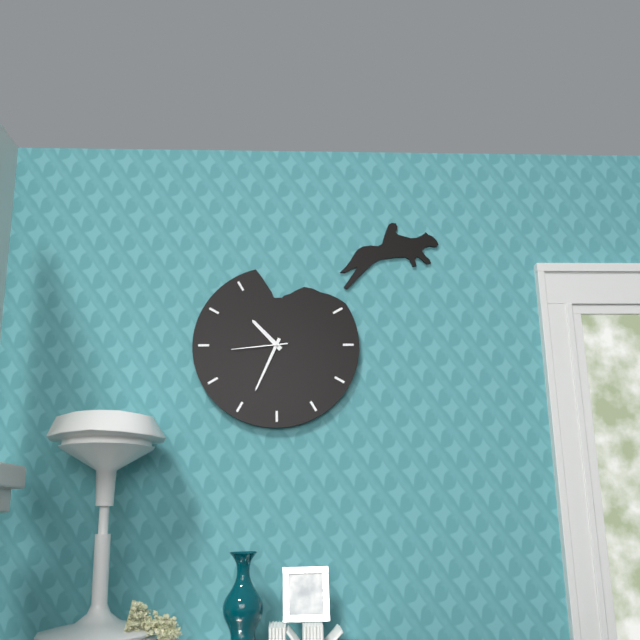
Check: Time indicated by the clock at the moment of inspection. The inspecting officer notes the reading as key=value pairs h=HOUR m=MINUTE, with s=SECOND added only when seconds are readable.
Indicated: h=10 m=34 s=44
